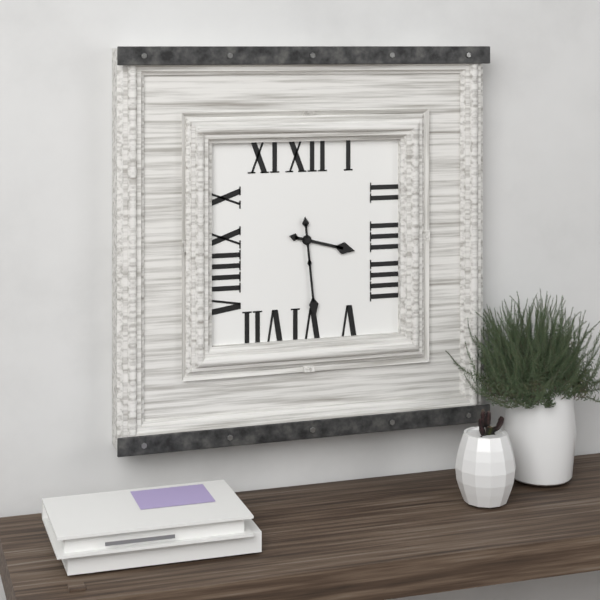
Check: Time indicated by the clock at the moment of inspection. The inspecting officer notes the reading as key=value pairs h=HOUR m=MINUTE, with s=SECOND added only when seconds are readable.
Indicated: h=3 m=29
